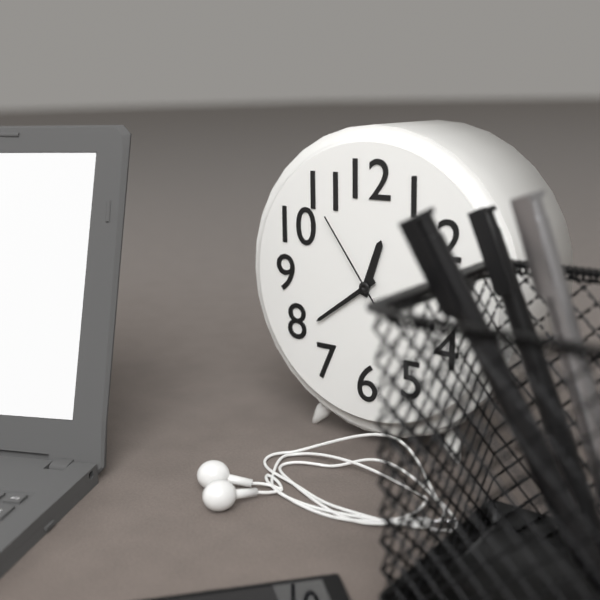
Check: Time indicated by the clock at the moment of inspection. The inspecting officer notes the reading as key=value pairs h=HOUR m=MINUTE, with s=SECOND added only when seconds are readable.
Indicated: h=12 m=39 s=54
